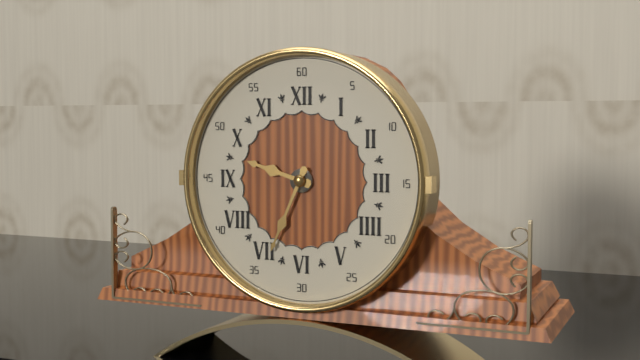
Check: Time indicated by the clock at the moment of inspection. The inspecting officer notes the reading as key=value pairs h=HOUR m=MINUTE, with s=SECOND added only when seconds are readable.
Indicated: h=9 m=34
